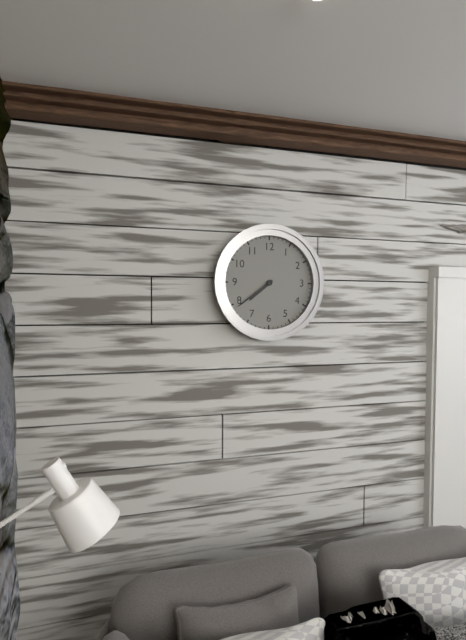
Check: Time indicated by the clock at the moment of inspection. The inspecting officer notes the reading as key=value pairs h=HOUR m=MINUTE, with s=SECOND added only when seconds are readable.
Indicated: h=7 m=39
